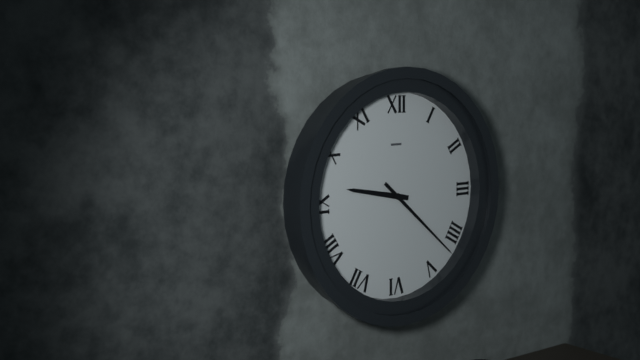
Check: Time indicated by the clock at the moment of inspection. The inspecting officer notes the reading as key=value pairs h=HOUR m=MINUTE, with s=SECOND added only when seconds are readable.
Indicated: h=9 m=22
